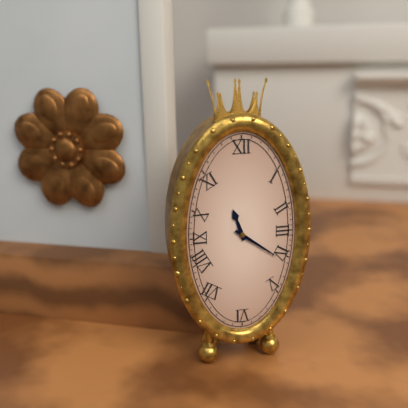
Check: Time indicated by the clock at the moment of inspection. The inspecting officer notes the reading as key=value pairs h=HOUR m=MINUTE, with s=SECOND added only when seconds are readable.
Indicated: h=11 m=21
